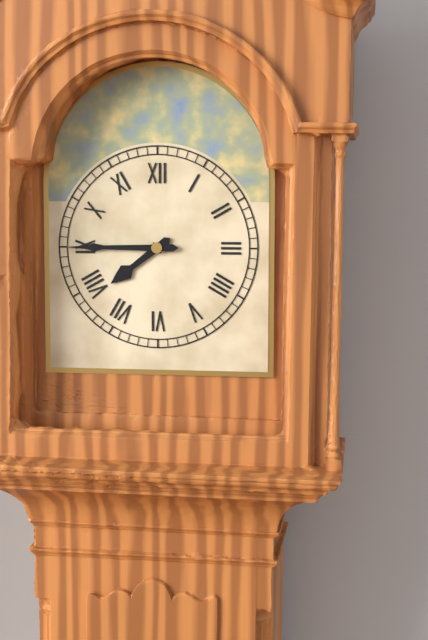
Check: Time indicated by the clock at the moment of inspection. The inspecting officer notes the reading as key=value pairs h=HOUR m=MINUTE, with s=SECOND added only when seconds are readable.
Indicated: h=7 m=45
